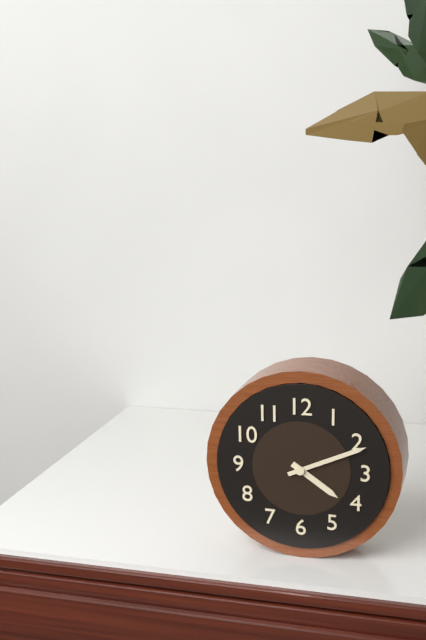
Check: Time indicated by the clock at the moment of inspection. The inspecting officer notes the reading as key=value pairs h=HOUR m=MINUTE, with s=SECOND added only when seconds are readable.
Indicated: h=4 m=11
